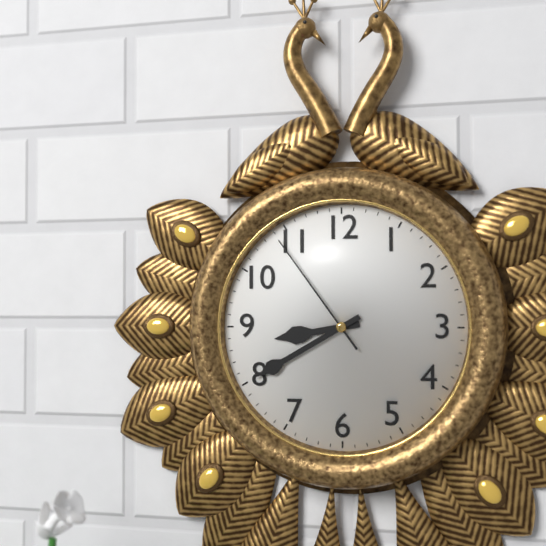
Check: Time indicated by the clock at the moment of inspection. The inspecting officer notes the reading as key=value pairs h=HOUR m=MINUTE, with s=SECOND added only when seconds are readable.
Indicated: h=8 m=40 s=54
